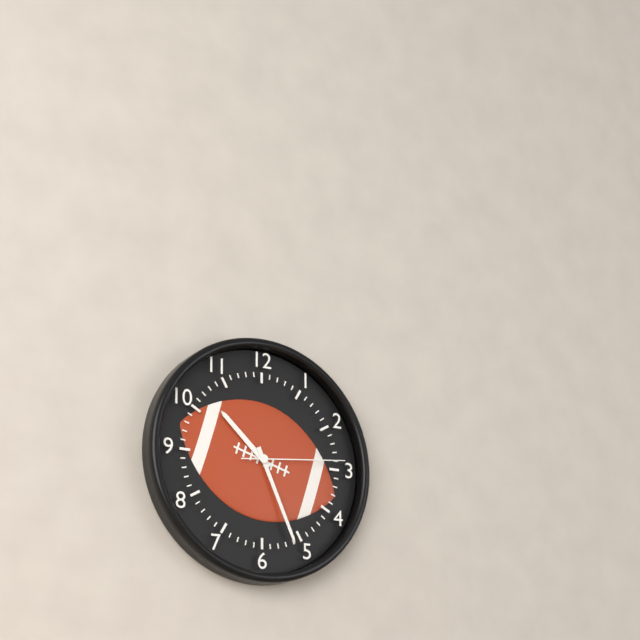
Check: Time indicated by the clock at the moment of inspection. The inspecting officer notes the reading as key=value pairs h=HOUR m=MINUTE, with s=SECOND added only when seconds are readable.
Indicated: h=10 m=26 s=14
